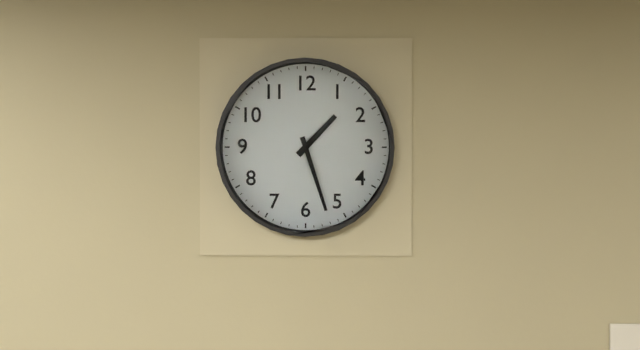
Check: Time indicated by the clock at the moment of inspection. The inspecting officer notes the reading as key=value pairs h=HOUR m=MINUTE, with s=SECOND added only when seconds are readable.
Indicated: h=1 m=27
